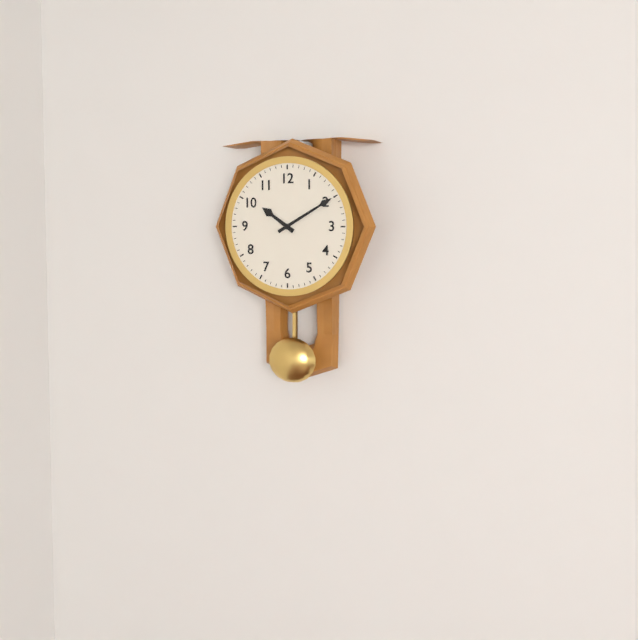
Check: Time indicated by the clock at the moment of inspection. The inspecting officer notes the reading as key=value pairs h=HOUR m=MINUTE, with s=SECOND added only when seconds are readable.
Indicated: h=10 m=10
